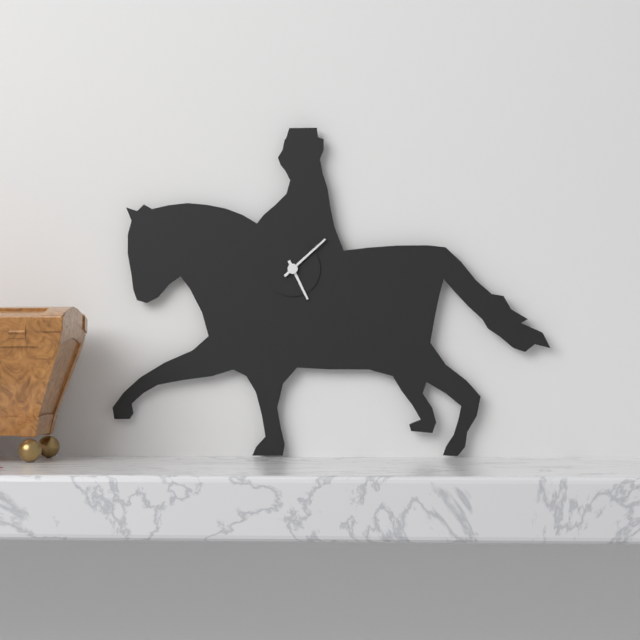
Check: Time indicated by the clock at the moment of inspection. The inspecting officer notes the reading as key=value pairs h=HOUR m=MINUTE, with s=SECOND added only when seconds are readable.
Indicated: h=5 m=8
